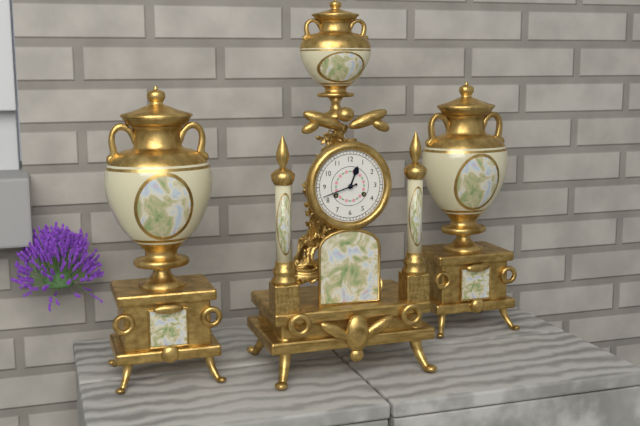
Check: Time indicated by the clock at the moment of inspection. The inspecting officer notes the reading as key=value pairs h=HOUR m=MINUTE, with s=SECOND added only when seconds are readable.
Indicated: h=12 m=42
